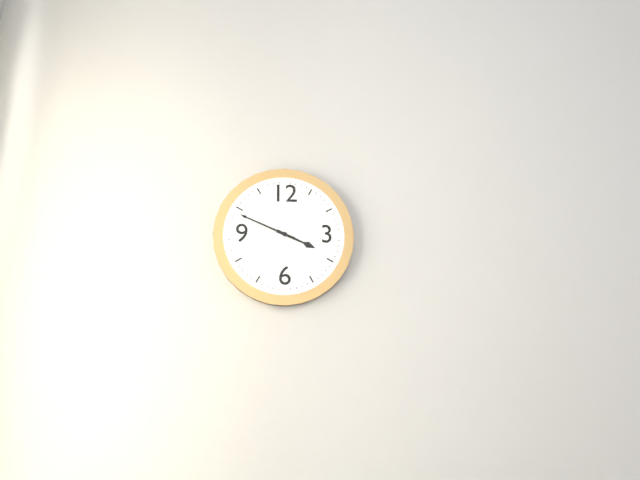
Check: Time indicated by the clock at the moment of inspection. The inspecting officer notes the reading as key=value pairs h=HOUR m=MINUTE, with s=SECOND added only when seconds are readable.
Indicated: h=3 m=49
